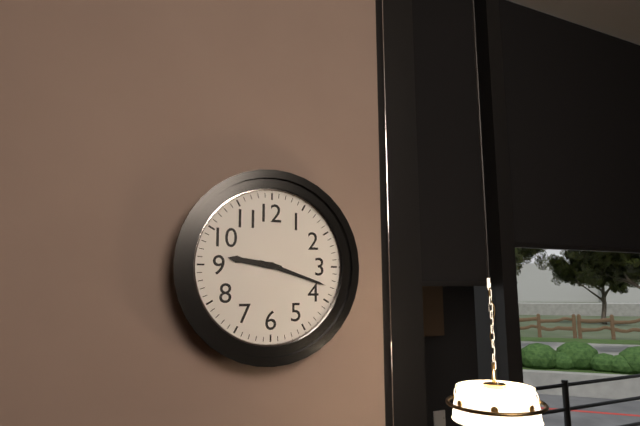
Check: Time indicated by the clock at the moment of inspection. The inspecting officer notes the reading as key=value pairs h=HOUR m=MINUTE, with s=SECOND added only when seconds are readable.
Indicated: h=9 m=18
